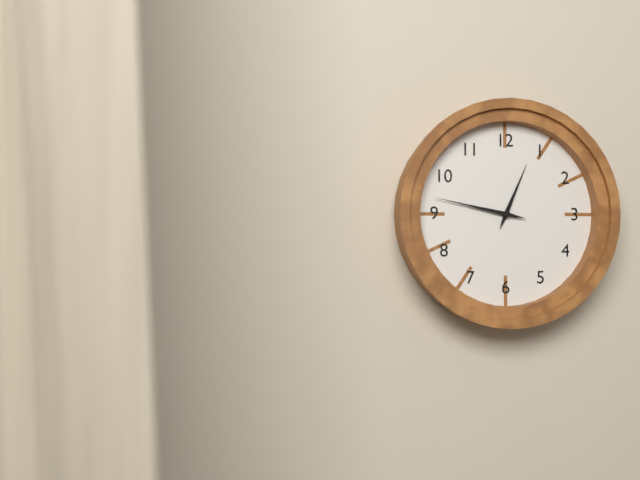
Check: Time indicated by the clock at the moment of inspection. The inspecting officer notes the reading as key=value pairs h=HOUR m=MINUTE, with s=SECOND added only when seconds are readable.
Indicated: h=12 m=47
